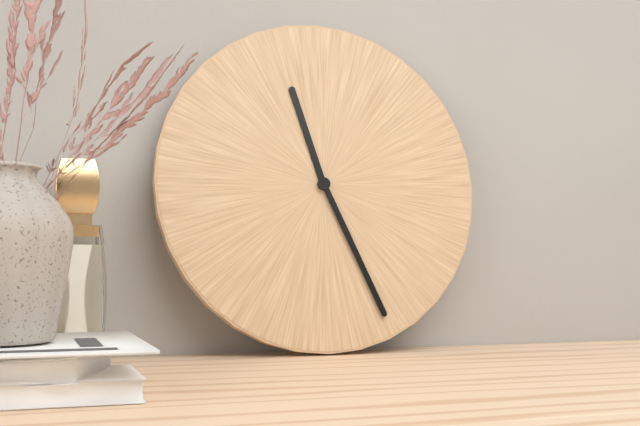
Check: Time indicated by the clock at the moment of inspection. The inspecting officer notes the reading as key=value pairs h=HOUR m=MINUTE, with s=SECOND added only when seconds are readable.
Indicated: h=11 m=26
